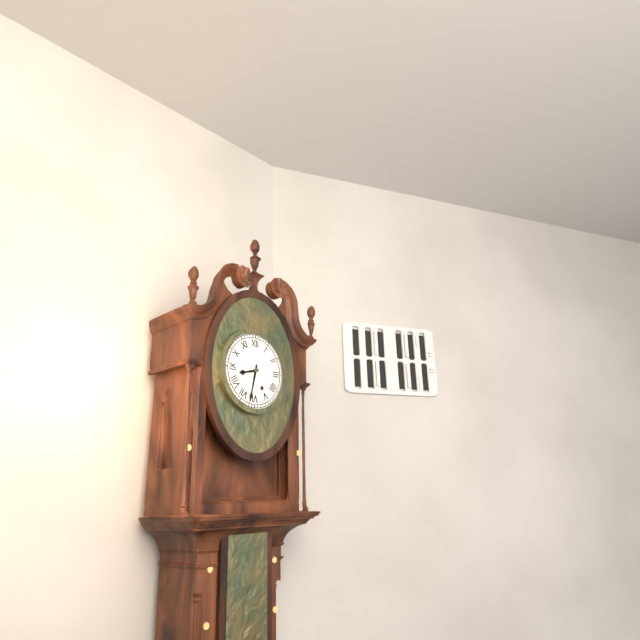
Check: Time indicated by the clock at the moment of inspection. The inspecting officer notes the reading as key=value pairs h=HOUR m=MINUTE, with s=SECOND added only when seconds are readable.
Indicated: h=8 m=32
